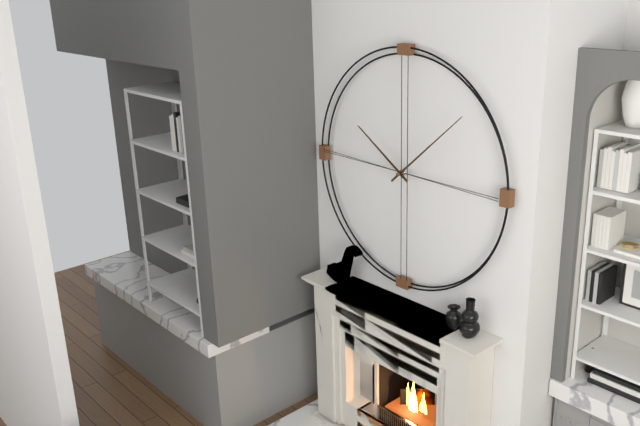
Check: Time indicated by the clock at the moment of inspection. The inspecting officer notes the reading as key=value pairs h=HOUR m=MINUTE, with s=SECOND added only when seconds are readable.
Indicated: h=10 m=8
